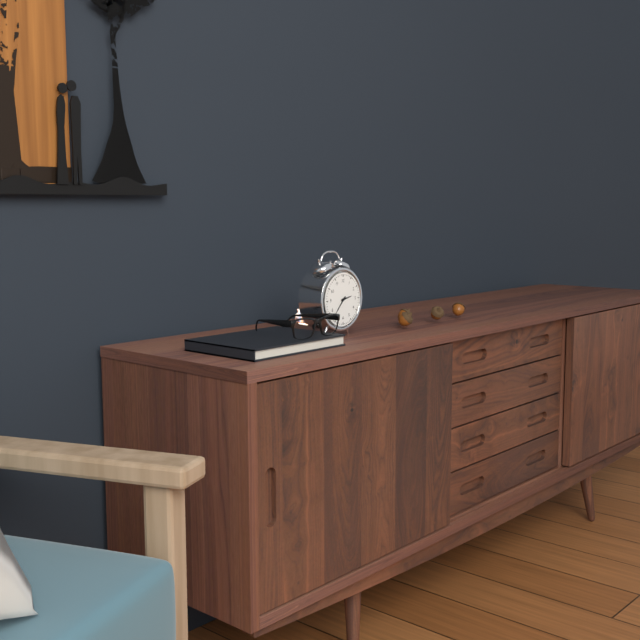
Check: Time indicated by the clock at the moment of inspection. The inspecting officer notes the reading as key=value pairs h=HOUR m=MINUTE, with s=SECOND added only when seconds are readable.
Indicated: h=2 m=37
